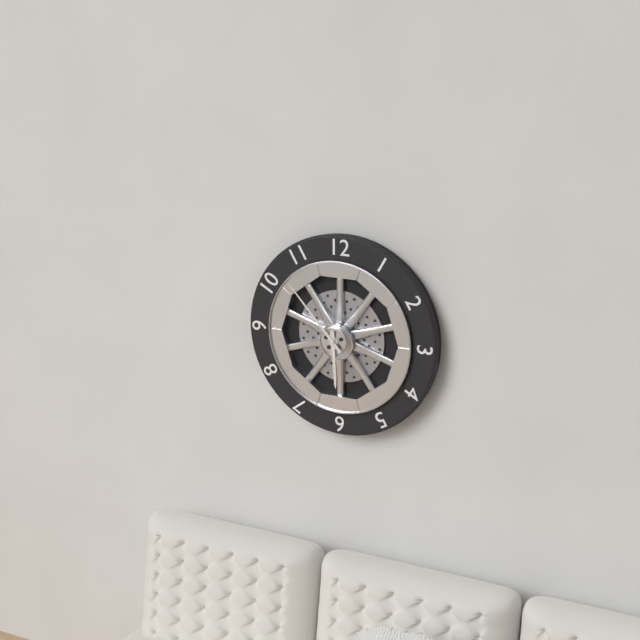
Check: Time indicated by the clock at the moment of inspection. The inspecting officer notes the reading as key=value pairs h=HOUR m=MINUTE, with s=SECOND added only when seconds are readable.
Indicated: h=5 m=53
